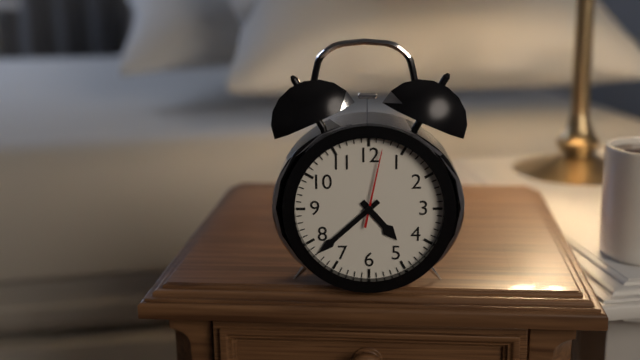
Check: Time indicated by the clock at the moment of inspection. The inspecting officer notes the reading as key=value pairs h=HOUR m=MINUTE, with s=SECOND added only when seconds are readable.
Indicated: h=4 m=38 s=2
